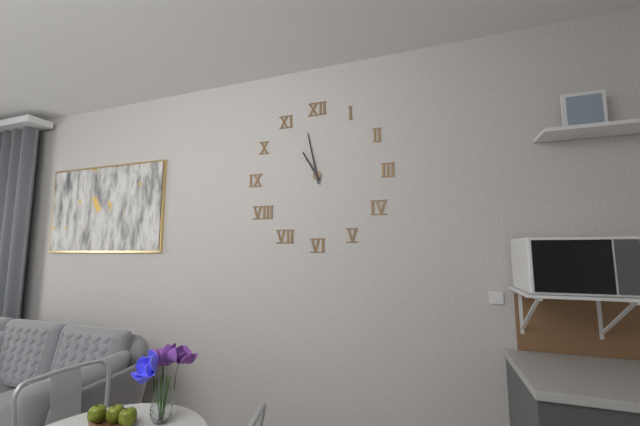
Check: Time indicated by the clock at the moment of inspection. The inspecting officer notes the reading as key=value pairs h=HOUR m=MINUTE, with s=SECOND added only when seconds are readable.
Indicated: h=10 m=58
